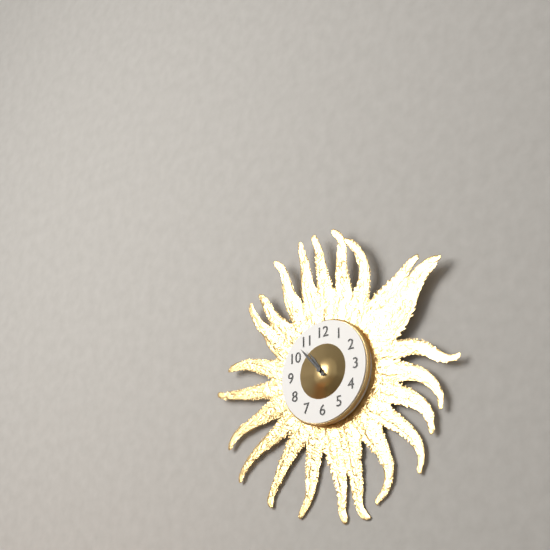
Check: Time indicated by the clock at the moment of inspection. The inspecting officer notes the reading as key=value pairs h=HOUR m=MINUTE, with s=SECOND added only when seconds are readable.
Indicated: h=10 m=53
